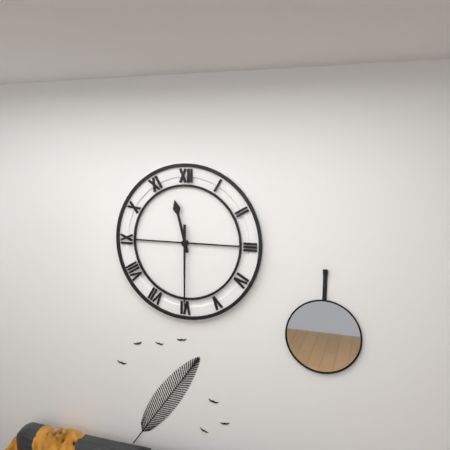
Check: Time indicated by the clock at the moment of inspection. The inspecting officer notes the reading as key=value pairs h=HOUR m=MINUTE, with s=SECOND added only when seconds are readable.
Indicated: h=11 m=30
